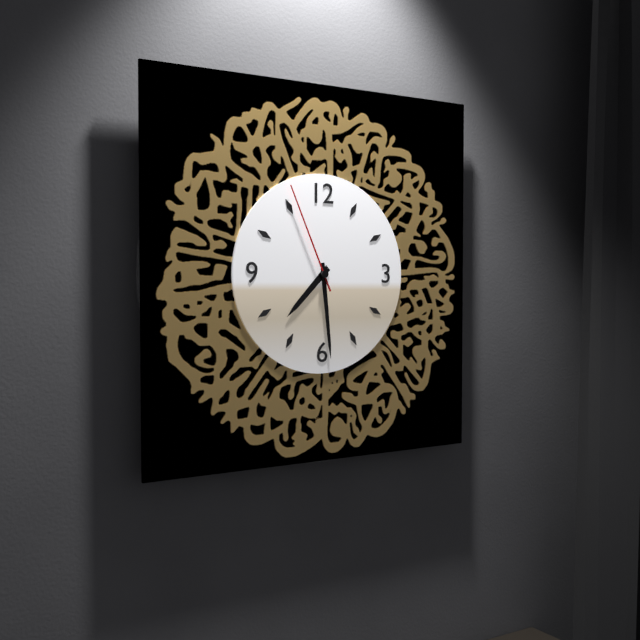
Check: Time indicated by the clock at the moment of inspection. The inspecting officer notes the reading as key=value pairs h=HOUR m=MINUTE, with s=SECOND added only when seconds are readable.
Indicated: h=7 m=29 s=56
